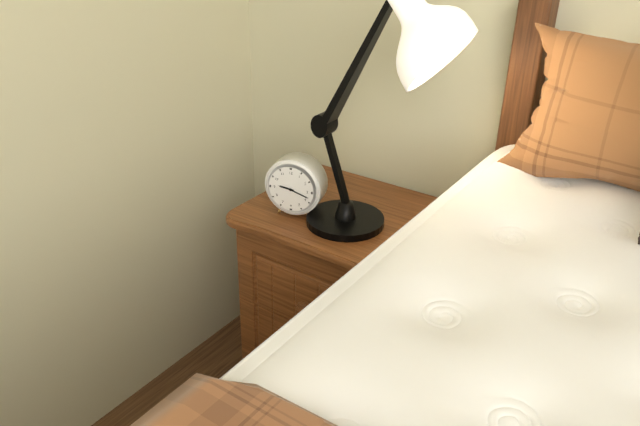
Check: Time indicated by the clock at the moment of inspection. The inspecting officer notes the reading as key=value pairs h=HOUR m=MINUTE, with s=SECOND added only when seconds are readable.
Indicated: h=9 m=18
